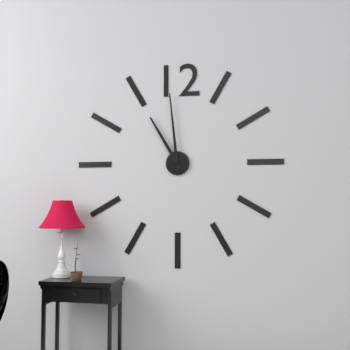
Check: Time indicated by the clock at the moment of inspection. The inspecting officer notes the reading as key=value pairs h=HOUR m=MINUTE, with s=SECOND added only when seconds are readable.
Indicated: h=10 m=59
